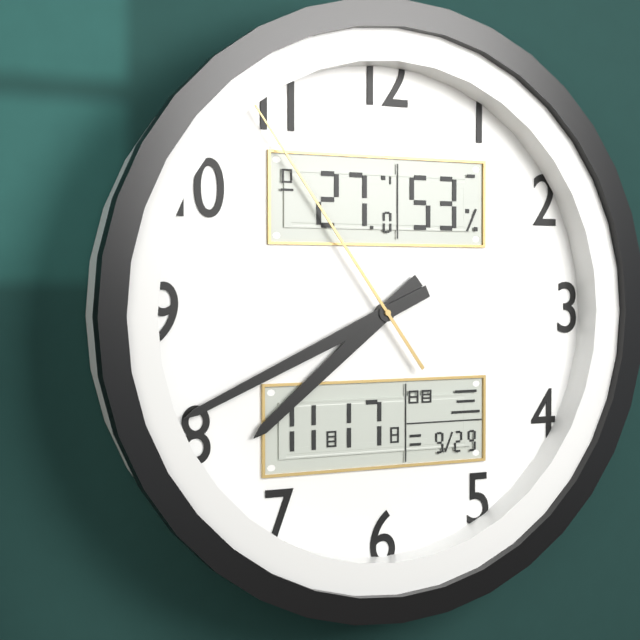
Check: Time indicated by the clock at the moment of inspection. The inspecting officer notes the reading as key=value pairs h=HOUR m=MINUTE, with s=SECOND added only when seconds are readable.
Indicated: h=7 m=41 s=54
